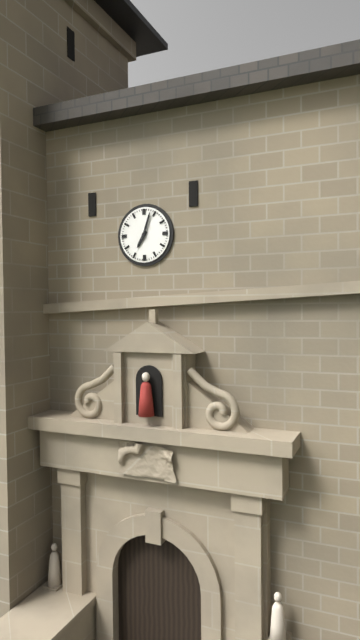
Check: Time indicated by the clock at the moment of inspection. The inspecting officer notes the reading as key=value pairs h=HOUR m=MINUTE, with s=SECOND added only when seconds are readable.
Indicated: h=7 m=3
